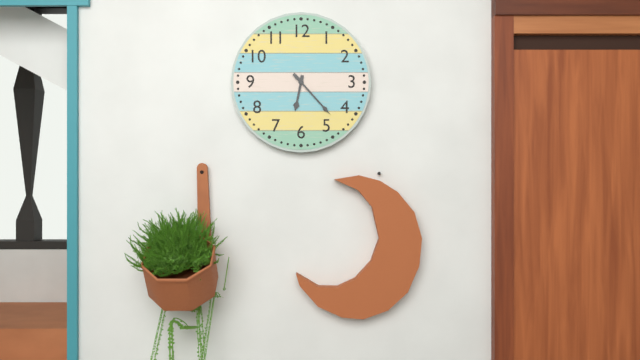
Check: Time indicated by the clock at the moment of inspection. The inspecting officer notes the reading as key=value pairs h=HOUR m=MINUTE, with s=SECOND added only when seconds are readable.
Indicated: h=6 m=23
